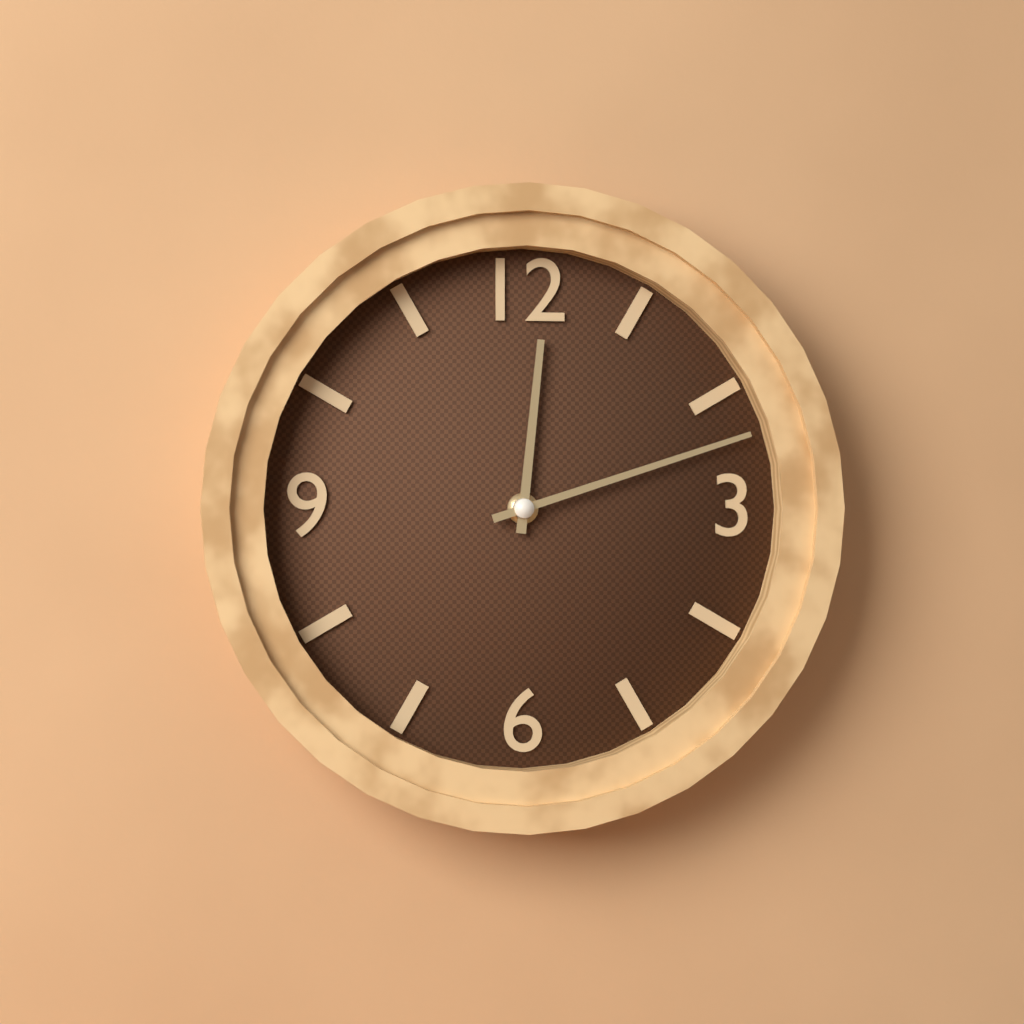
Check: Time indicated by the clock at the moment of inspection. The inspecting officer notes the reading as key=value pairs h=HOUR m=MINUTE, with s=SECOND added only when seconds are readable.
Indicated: h=12 m=12
